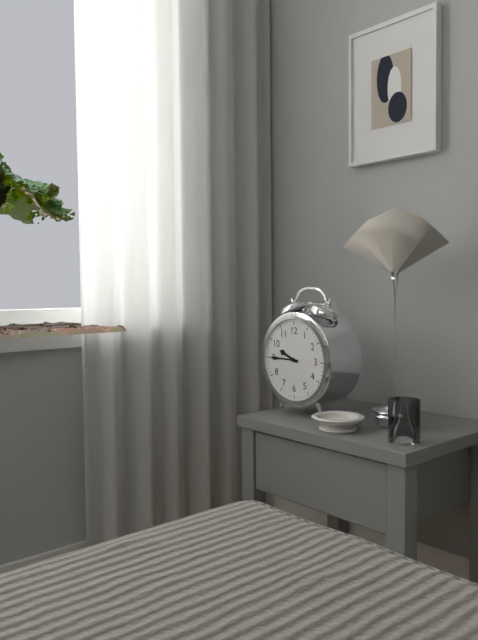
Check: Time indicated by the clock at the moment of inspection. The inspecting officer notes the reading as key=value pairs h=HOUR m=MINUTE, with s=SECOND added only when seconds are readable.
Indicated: h=9 m=45
